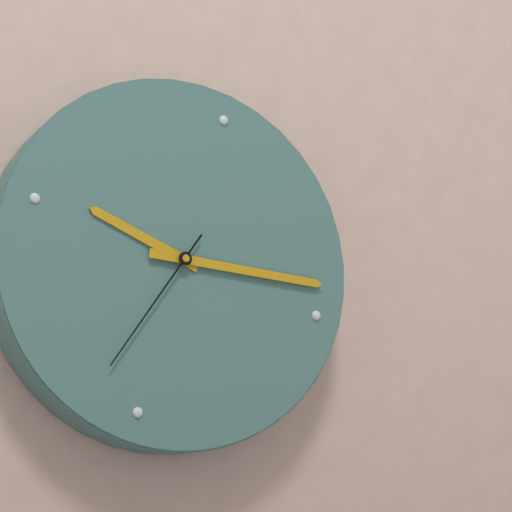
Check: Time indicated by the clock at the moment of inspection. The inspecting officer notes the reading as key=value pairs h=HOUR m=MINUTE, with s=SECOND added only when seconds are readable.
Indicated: h=9 m=13 s=33
